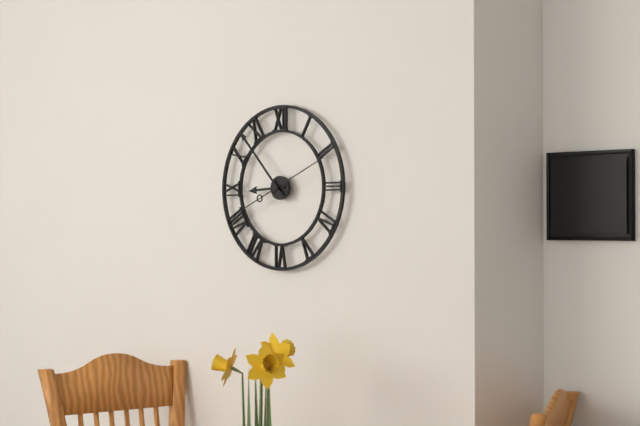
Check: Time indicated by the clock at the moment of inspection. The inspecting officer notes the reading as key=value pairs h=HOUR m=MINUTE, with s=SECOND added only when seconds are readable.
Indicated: h=8 m=53 s=11
